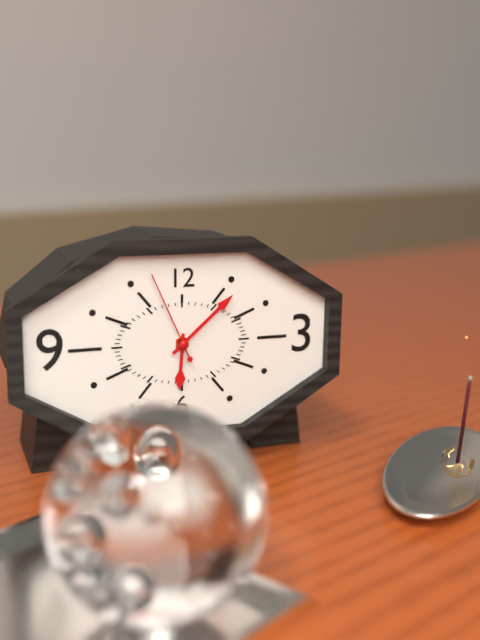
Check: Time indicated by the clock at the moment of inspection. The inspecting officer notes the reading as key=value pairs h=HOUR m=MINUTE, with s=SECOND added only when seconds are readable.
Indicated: h=6 m=8 s=56
